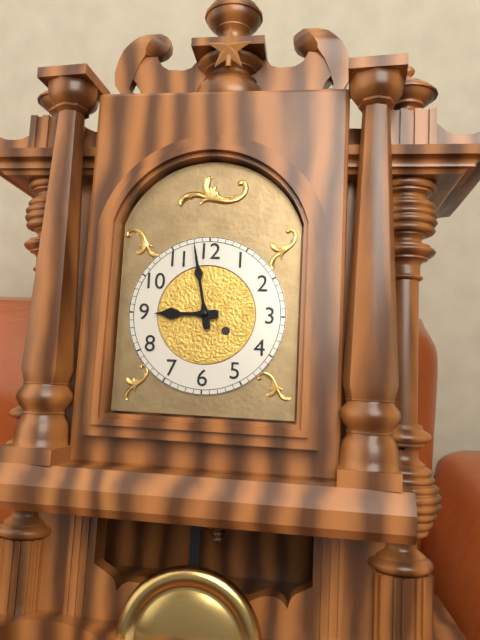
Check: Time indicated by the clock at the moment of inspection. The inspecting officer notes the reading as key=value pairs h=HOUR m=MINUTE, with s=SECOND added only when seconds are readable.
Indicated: h=8 m=58
